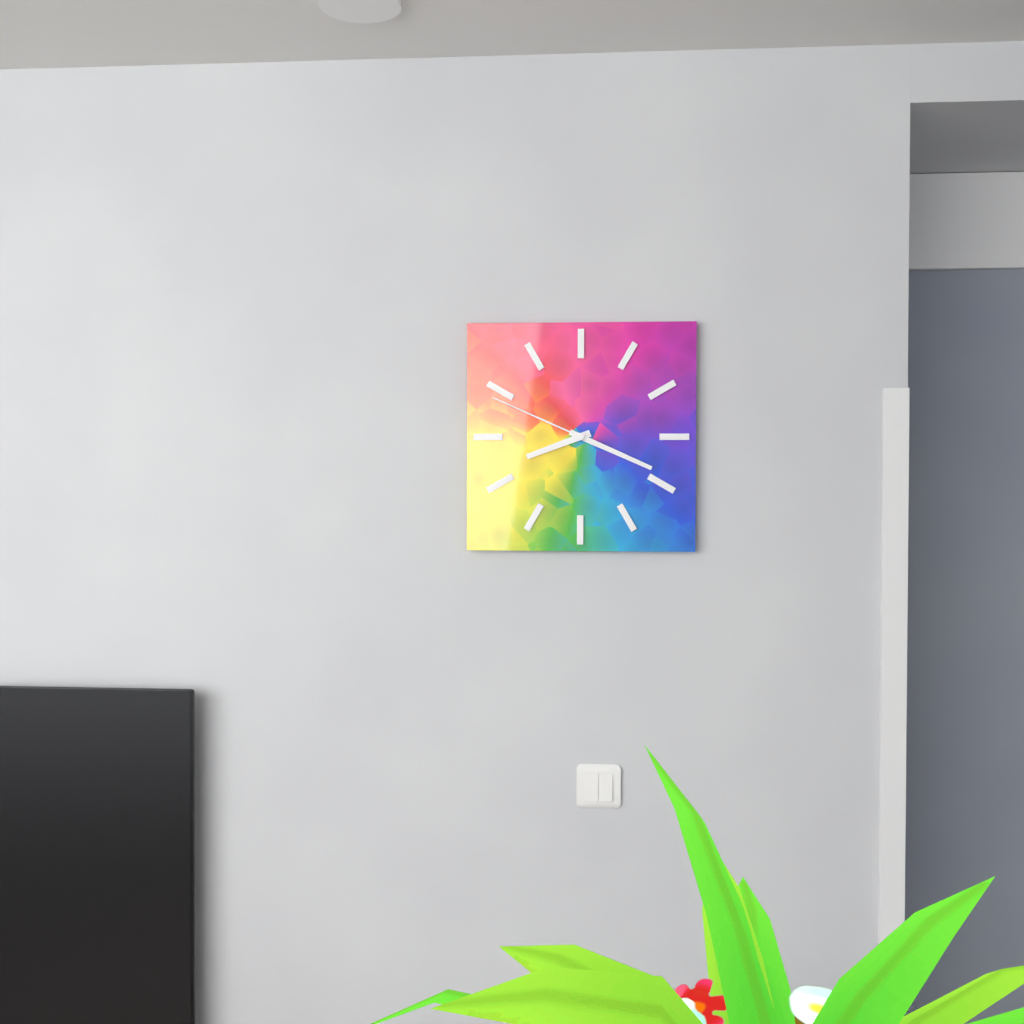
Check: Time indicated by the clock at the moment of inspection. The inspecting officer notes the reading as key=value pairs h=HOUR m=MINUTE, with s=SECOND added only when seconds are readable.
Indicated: h=8 m=19 s=49
